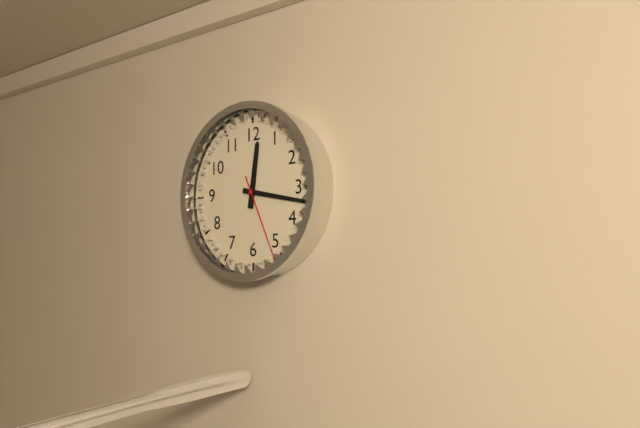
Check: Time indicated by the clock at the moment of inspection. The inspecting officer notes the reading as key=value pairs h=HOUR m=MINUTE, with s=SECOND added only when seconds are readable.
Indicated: h=12 m=17 s=26
